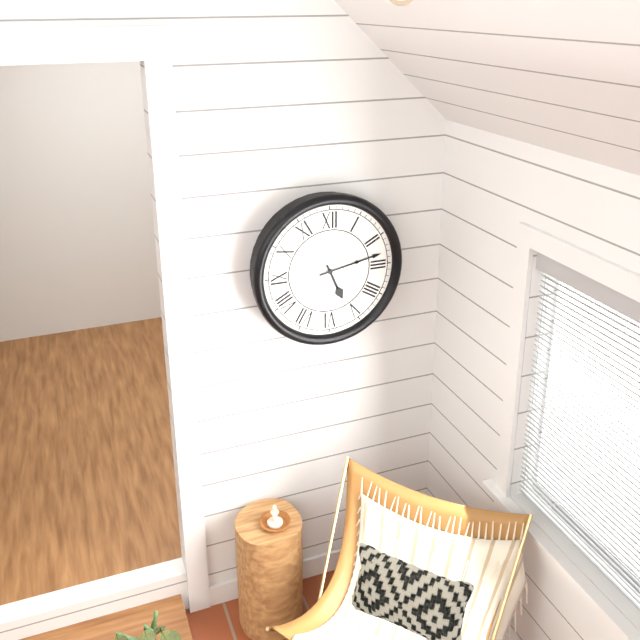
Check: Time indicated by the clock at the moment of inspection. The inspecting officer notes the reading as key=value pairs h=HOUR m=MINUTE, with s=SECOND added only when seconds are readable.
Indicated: h=5 m=13
